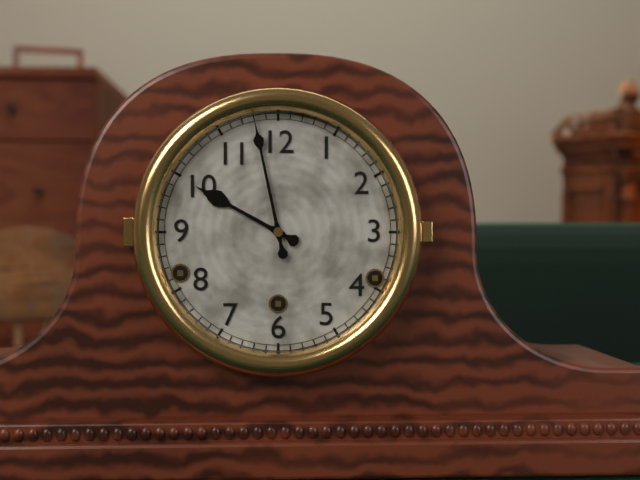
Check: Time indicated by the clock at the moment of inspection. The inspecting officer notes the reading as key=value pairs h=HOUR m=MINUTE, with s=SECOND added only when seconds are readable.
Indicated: h=9 m=58
